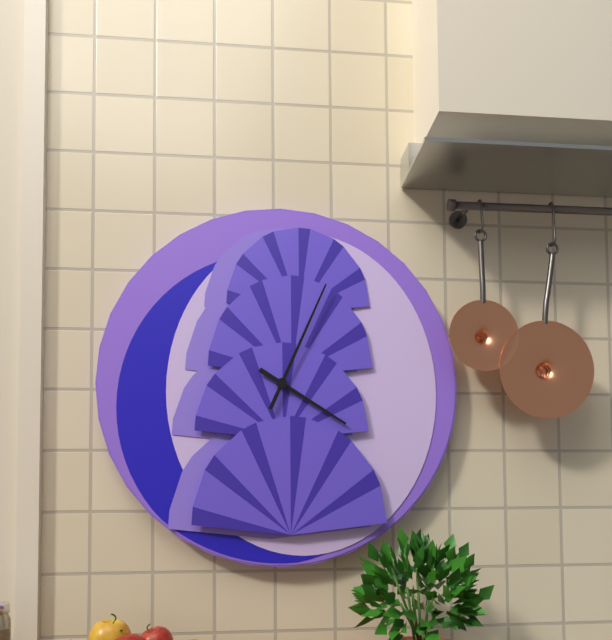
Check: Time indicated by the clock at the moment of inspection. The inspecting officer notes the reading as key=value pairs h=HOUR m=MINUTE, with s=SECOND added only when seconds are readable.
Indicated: h=4 m=4
